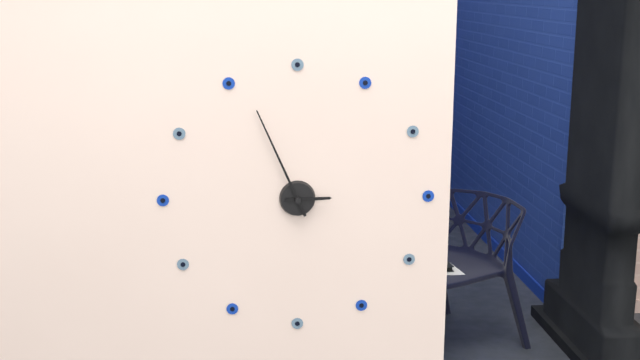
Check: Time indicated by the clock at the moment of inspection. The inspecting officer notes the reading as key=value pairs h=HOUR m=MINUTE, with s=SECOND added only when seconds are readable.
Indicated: h=2 m=56
